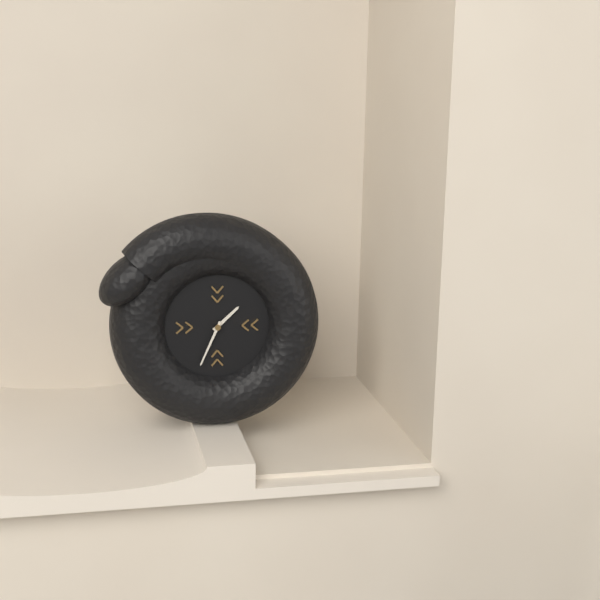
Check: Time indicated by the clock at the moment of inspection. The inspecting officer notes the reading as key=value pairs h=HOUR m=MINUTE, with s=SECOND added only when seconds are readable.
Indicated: h=1 m=34
